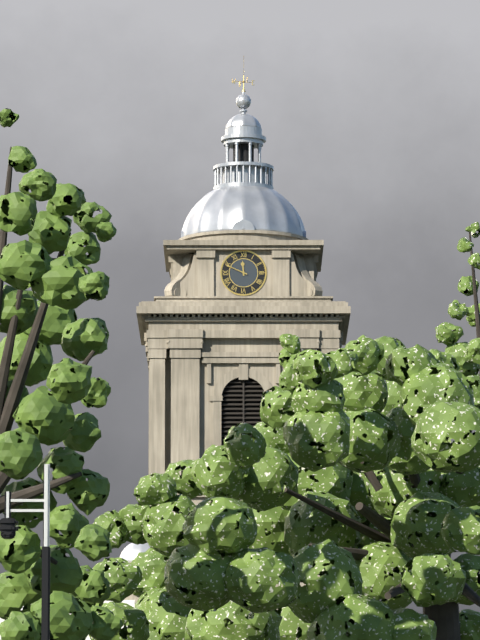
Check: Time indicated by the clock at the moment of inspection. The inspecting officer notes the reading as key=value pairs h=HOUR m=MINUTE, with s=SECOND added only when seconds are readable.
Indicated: h=11 m=49
